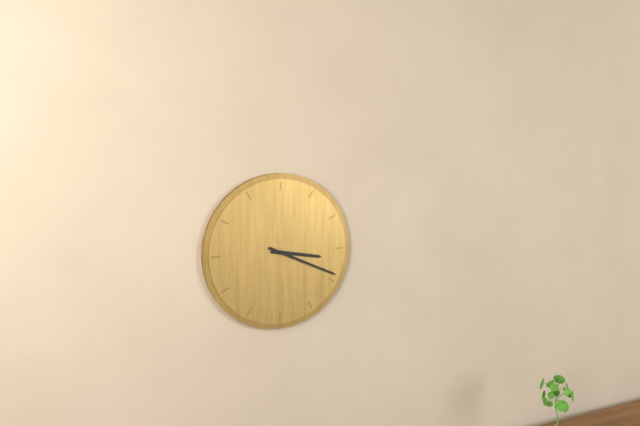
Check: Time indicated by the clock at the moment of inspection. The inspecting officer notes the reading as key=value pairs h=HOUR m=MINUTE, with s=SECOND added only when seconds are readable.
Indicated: h=3 m=19
